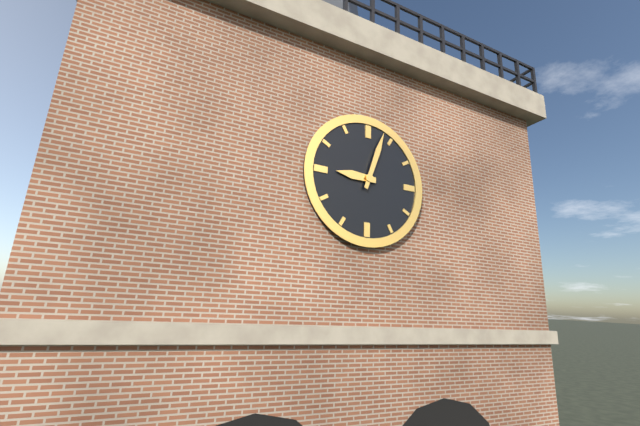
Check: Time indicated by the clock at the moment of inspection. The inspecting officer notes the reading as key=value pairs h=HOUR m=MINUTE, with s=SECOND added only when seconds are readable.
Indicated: h=9 m=3
